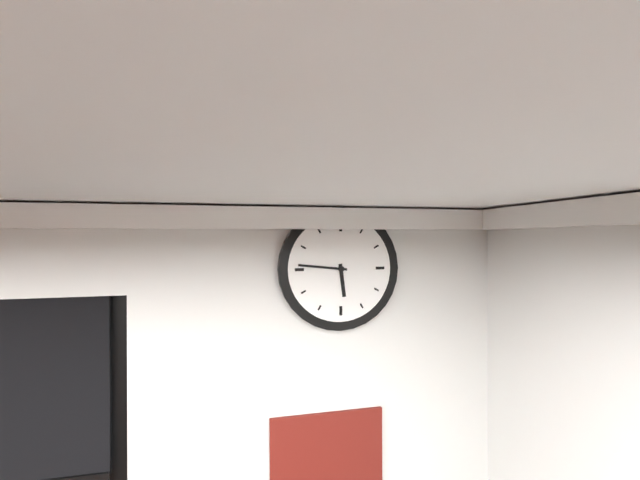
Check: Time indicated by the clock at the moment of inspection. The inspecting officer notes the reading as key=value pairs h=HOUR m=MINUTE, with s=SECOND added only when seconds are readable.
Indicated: h=5 m=46
